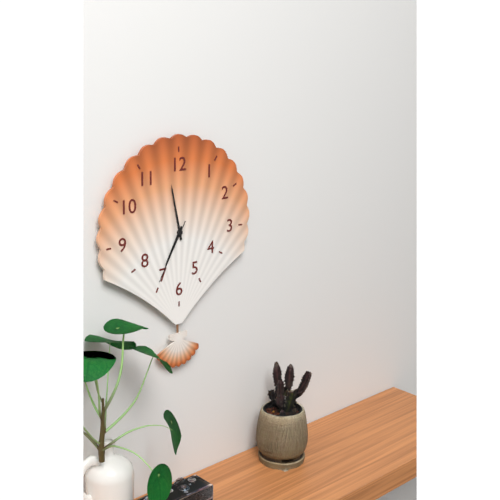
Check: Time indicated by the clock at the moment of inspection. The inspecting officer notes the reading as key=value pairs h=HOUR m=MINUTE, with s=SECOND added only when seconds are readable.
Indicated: h=6 m=58 s=35
